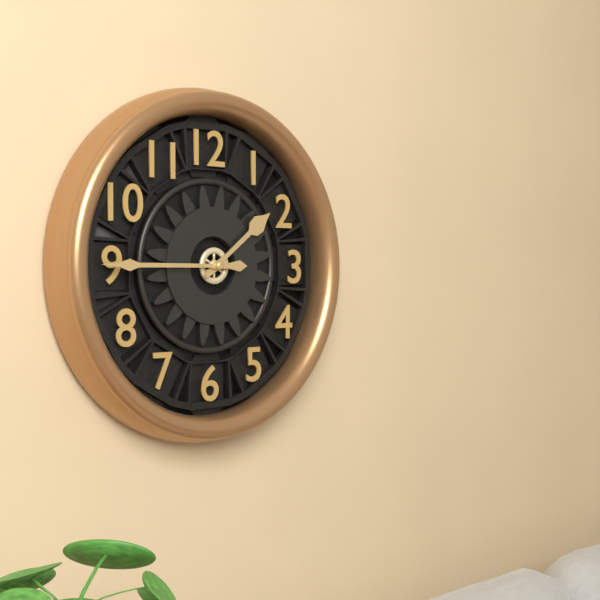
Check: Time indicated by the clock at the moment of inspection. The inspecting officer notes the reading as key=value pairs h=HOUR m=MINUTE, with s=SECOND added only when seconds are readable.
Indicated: h=1 m=45
